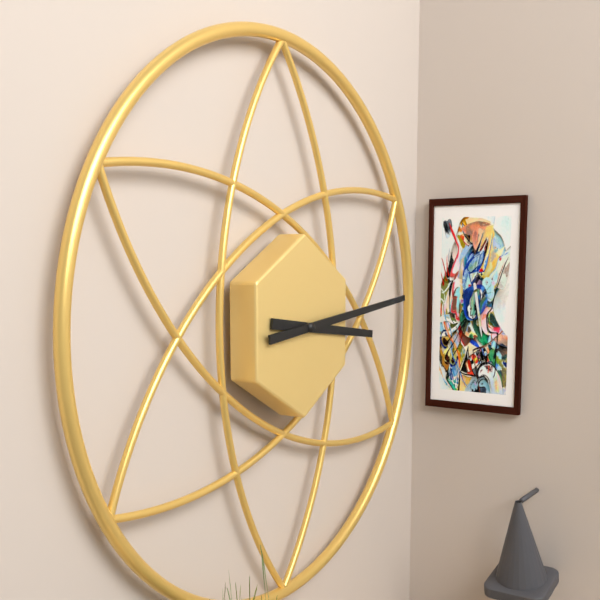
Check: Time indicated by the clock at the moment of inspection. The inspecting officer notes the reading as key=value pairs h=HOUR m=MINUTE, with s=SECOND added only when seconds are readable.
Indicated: h=3 m=14
